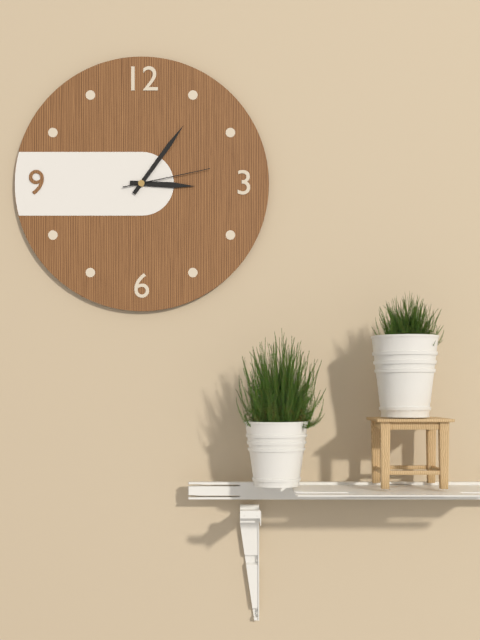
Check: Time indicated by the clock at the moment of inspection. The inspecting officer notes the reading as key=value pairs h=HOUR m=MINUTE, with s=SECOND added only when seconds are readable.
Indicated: h=3 m=6 s=13
